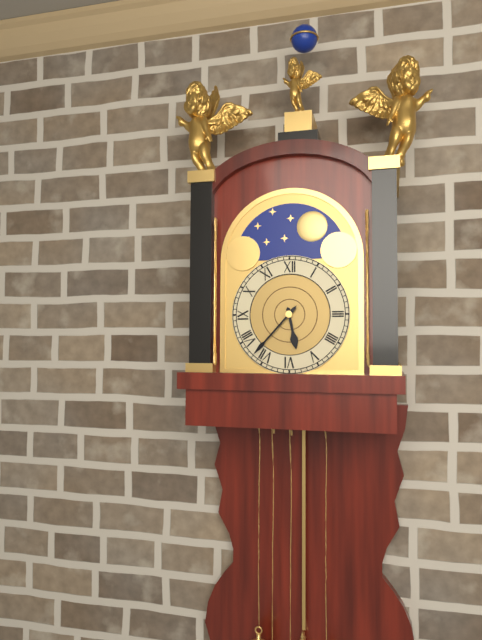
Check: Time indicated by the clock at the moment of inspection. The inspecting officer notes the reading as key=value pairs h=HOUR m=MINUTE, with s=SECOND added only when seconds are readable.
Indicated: h=5 m=37
